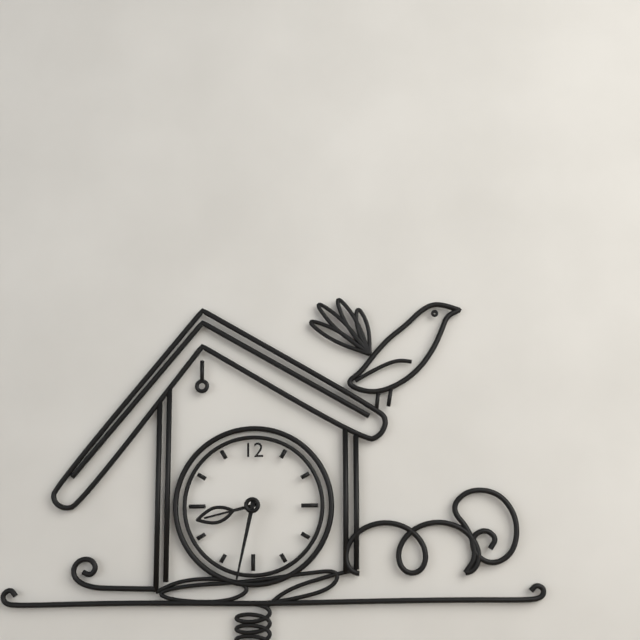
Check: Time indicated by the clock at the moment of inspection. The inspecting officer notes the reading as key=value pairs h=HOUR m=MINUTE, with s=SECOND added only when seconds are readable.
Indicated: h=8 m=32
